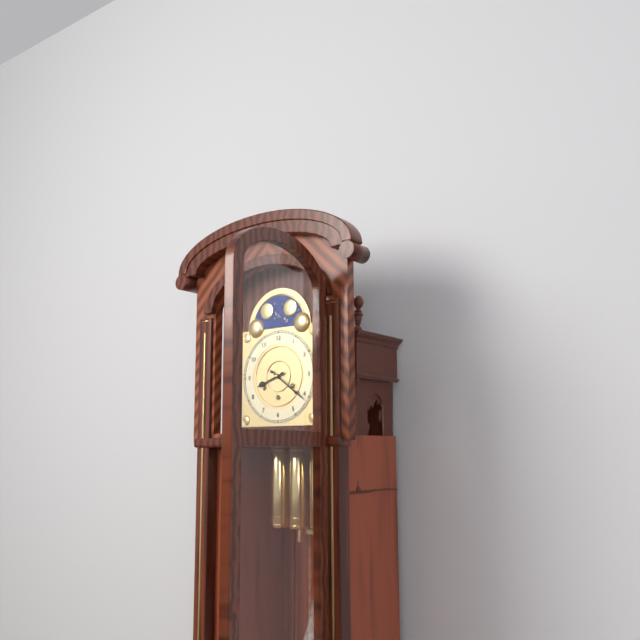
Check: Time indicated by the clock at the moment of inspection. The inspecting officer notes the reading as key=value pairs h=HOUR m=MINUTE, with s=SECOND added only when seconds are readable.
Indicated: h=8 m=21
